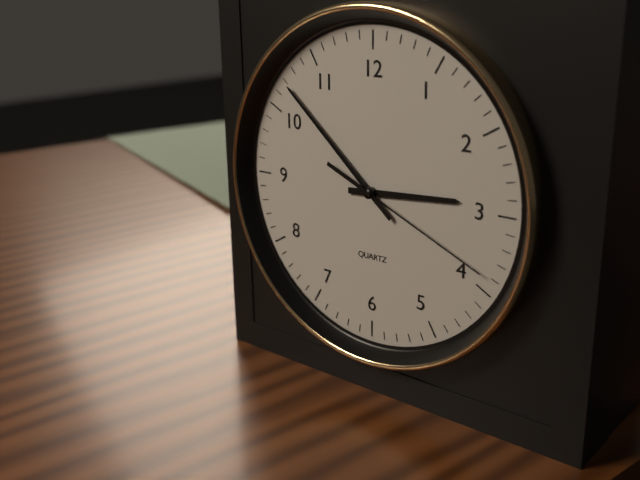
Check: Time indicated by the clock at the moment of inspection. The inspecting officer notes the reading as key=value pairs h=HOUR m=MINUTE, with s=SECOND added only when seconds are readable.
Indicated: h=2 m=52 s=19
